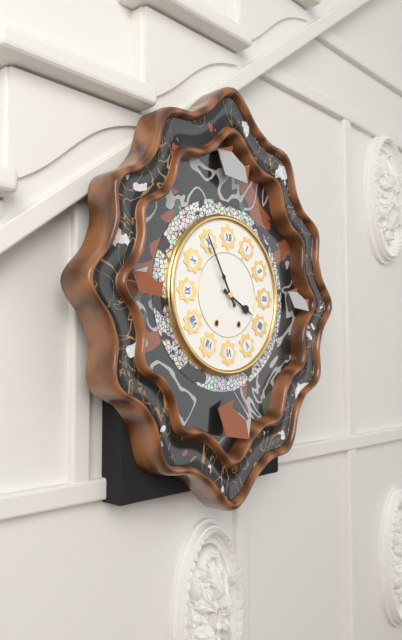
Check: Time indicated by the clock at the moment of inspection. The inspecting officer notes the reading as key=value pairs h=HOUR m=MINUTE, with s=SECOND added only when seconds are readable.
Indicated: h=3 m=55
